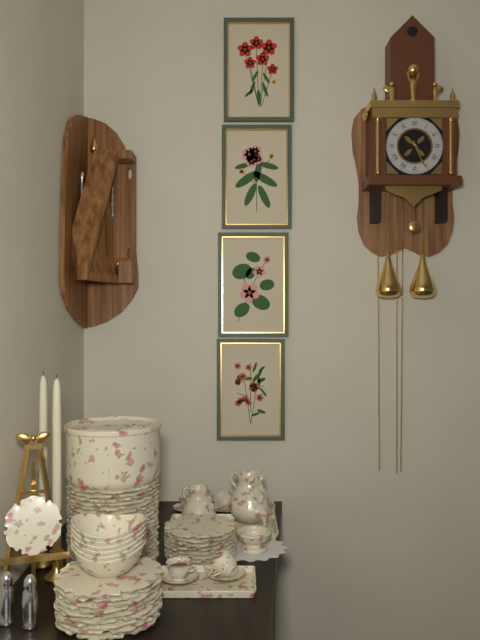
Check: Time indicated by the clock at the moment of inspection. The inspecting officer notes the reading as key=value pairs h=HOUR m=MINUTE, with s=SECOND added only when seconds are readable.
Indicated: h=10 m=26
